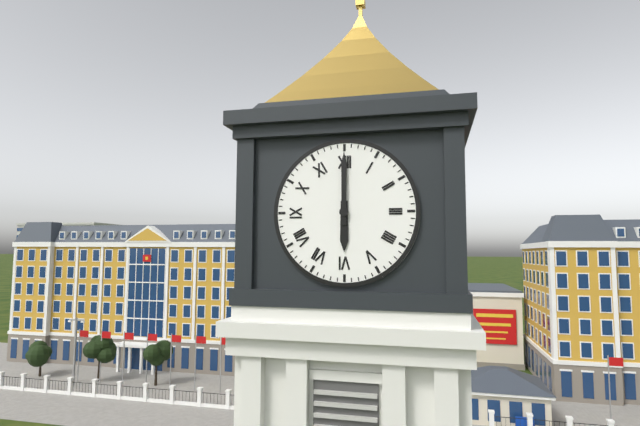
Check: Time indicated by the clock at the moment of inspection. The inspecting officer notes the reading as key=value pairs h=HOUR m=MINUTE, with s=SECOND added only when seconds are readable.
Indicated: h=6 m=0
